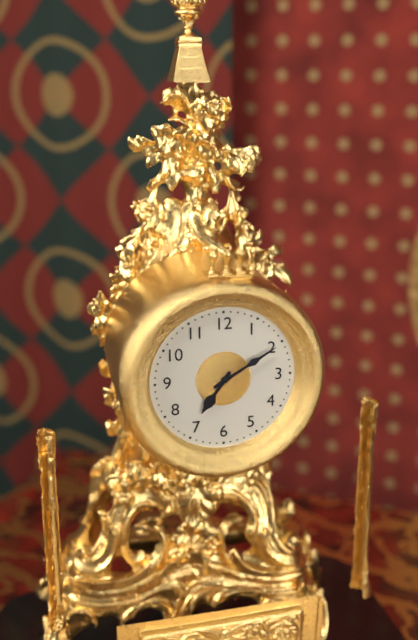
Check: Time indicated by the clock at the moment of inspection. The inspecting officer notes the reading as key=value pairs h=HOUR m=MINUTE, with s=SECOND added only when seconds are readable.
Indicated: h=7 m=10
